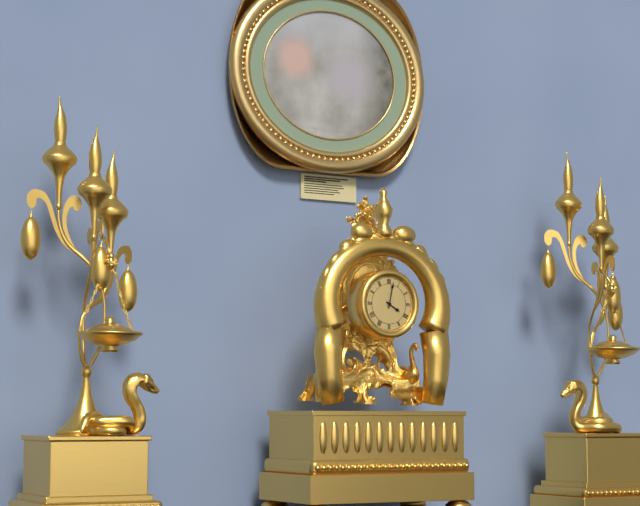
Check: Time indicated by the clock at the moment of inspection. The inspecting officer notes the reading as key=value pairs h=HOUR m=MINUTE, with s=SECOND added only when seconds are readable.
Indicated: h=4 m=2
